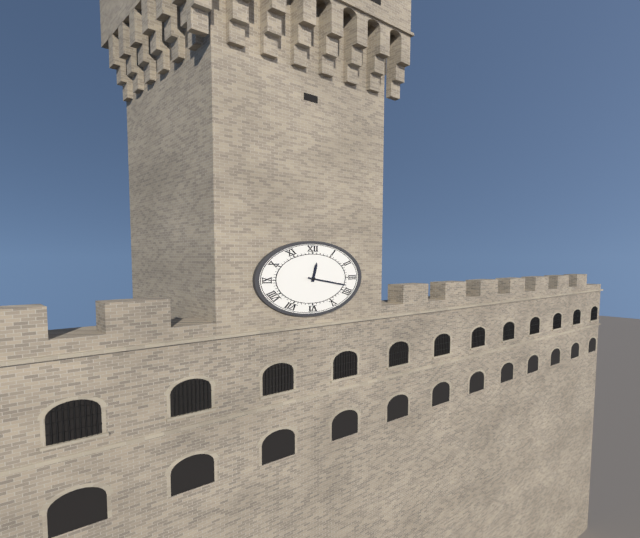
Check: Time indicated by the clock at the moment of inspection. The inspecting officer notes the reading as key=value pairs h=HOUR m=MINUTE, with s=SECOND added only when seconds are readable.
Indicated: h=12 m=18
